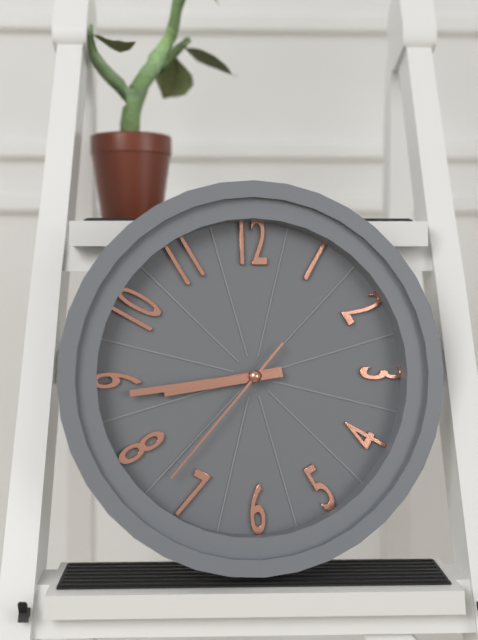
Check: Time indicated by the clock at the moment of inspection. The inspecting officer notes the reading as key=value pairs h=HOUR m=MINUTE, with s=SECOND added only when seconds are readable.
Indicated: h=8 m=44 s=37
